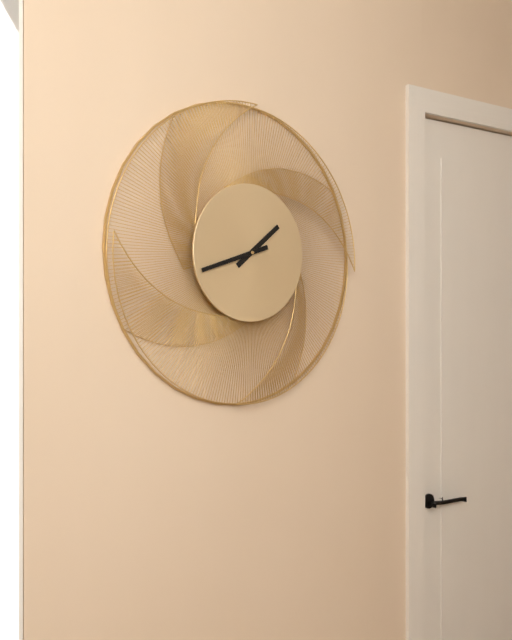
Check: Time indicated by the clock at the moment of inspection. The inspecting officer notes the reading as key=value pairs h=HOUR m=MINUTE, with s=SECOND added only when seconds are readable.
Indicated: h=1 m=42
